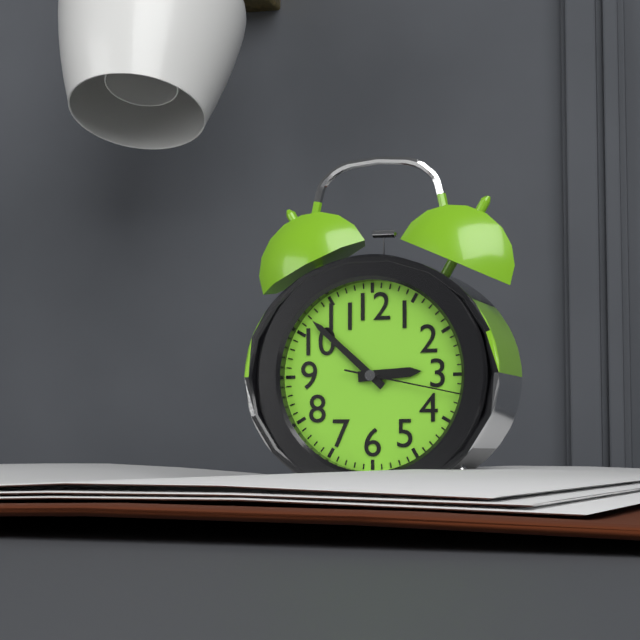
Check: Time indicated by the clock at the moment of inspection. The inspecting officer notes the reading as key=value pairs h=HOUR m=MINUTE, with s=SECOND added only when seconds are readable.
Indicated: h=2 m=52 s=17
